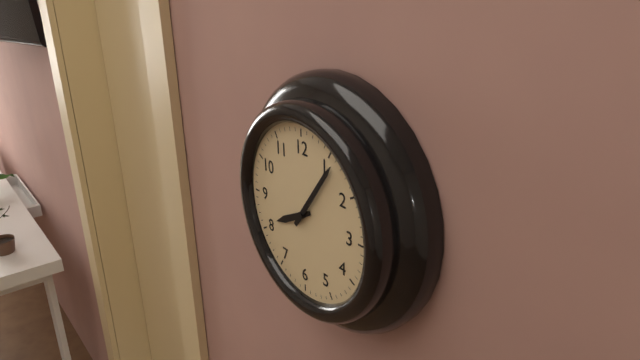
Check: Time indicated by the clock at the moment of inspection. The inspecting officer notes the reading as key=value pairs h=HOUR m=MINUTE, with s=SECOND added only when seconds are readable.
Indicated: h=8 m=6
